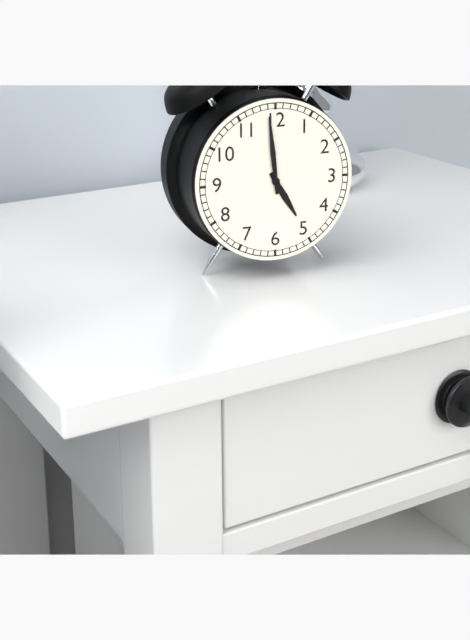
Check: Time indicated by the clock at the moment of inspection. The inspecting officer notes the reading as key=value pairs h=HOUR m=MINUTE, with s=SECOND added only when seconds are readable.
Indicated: h=4 m=59
